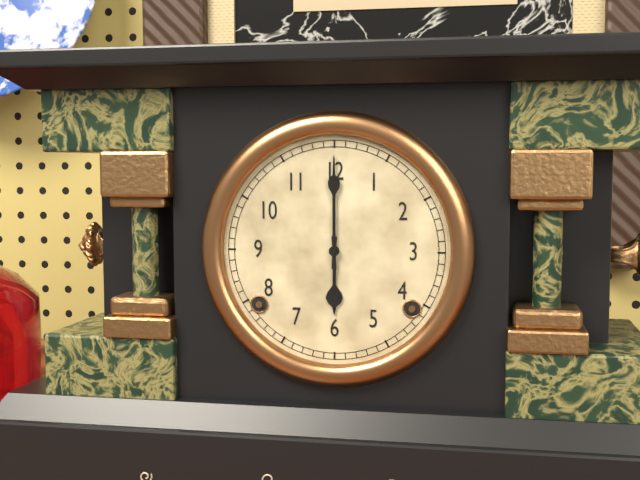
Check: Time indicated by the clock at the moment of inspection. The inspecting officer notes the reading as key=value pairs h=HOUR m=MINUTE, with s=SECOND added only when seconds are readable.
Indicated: h=6 m=0
